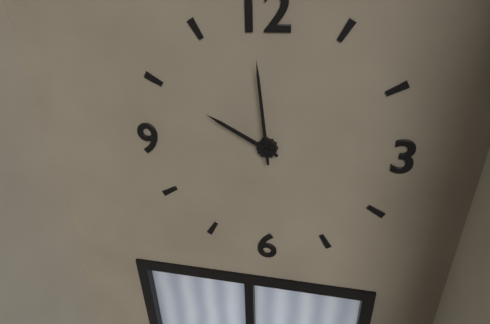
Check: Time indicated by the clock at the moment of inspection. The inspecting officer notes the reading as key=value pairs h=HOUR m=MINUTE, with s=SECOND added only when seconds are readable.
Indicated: h=9 m=59
